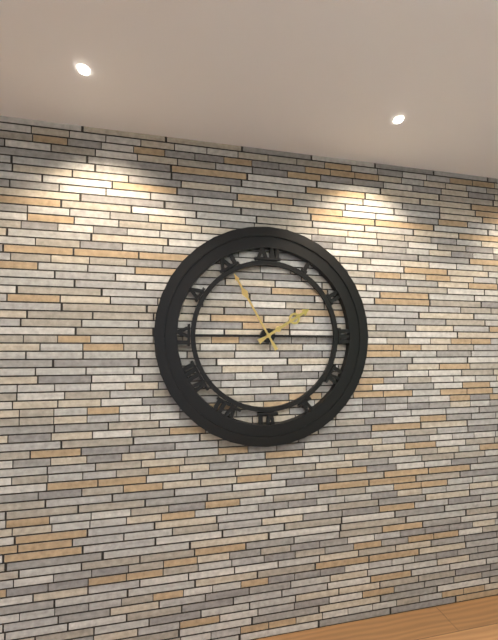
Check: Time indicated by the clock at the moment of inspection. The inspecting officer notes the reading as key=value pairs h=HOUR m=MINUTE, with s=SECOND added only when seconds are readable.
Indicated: h=1 m=55
